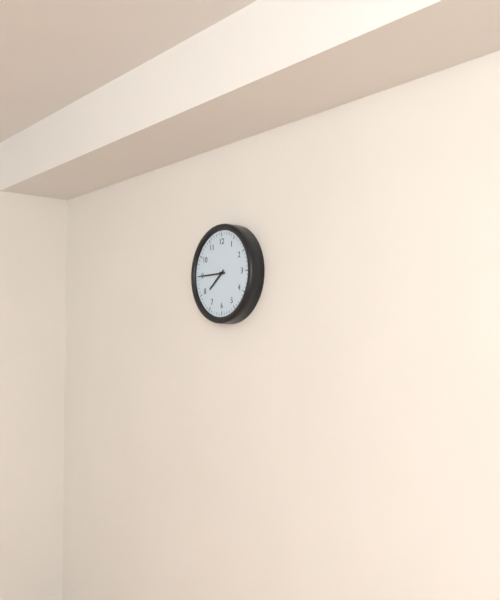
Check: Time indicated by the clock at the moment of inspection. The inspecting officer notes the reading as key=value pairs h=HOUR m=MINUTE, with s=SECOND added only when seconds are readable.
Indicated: h=7 m=45
